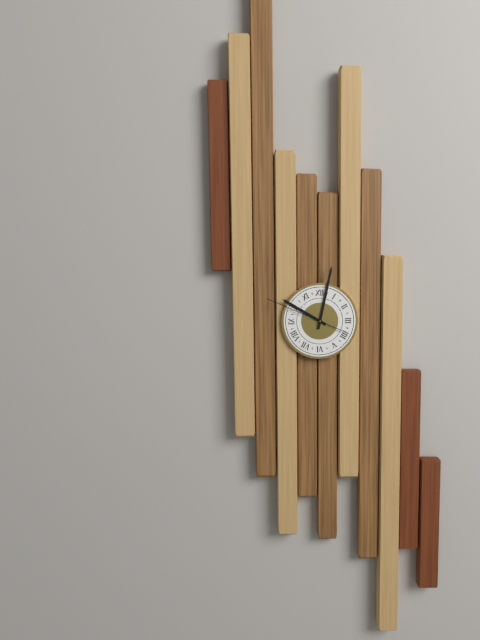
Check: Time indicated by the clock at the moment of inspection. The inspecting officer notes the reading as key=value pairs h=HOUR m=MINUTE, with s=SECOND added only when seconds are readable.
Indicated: h=10 m=2 s=49
